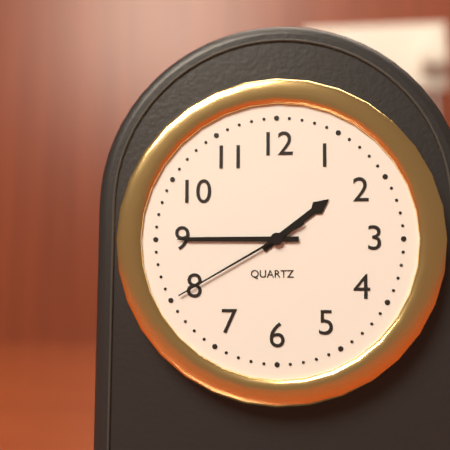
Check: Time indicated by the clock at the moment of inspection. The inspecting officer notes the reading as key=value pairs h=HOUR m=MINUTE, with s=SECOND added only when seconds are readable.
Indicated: h=1 m=45 s=40
